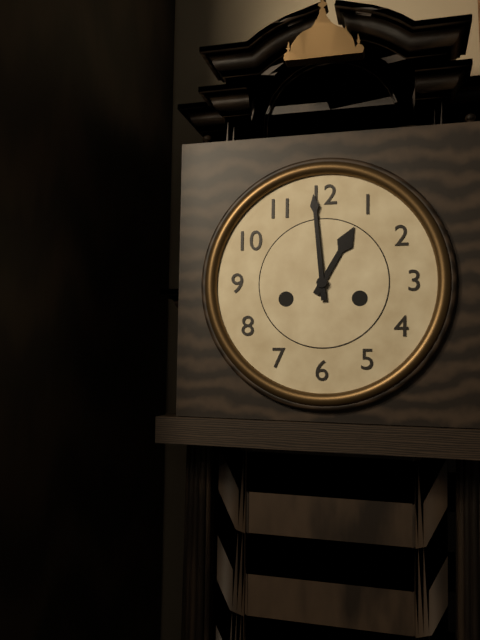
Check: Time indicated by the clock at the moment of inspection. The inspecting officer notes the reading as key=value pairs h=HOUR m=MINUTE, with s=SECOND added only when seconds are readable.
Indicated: h=12 m=59
